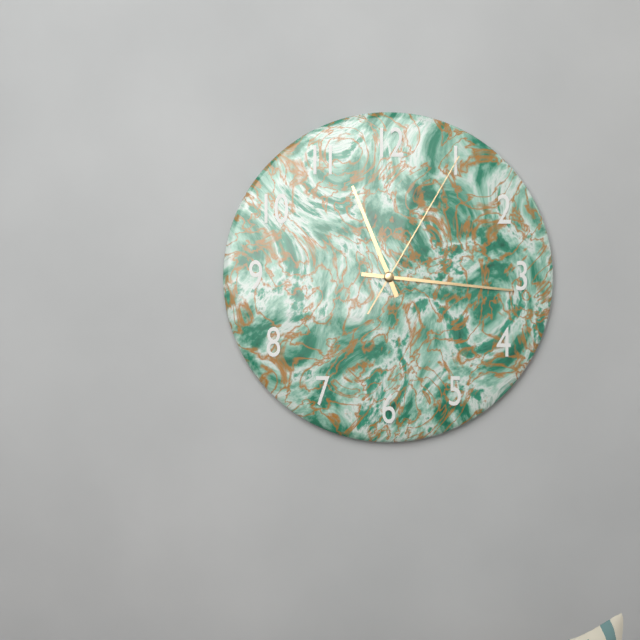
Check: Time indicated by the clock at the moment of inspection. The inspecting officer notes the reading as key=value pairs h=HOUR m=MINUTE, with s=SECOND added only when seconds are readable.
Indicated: h=11 m=16 s=5
